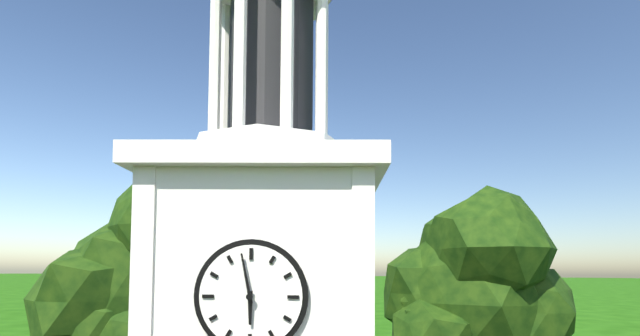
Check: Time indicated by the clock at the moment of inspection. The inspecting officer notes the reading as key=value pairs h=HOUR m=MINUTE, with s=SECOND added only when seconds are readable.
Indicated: h=5 m=58
